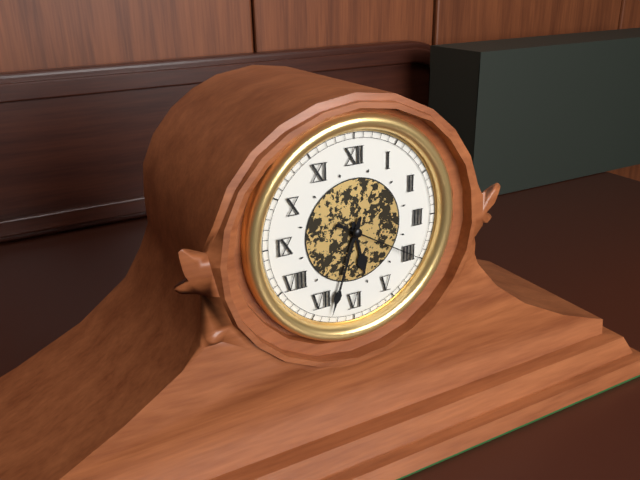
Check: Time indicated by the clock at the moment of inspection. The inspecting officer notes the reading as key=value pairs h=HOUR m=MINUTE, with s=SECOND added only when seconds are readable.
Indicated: h=5 m=33 s=20
